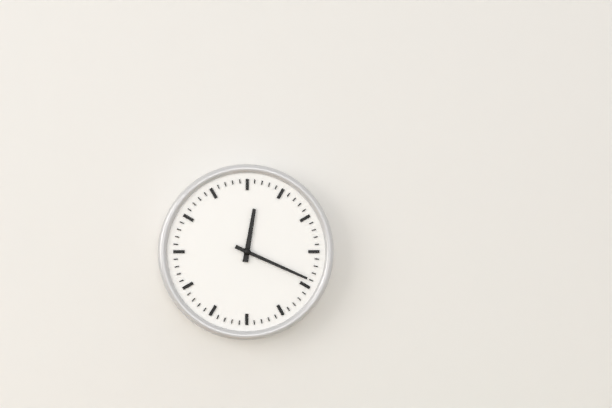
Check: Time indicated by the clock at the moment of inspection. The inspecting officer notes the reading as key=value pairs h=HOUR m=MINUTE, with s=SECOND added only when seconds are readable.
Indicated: h=12 m=19
